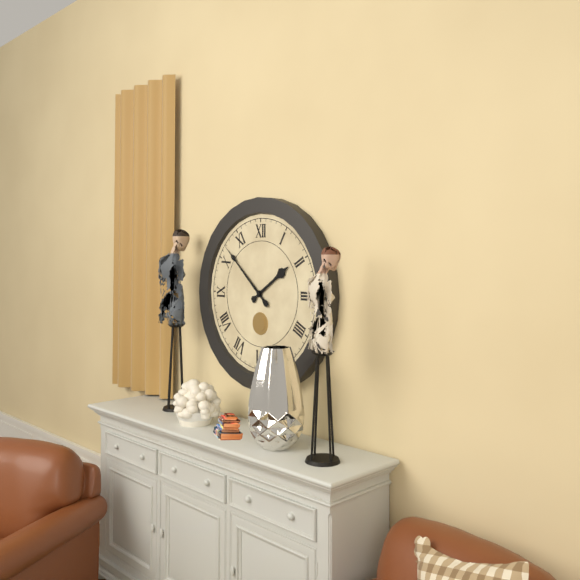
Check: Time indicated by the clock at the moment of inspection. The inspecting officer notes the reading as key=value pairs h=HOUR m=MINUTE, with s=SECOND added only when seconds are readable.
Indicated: h=1 m=52
